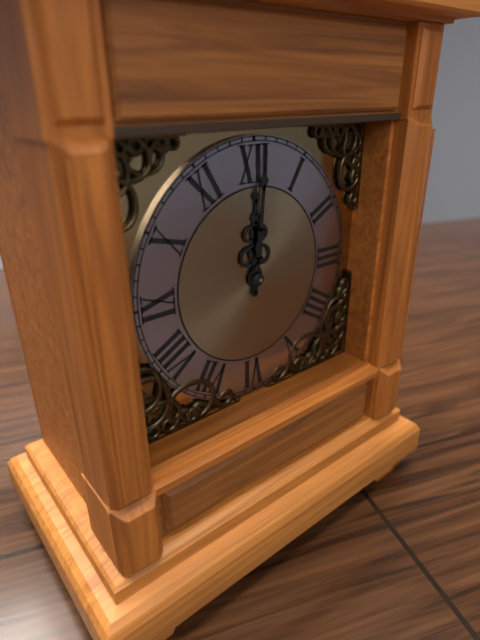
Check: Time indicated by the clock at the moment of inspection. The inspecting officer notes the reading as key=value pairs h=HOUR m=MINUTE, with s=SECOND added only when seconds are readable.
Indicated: h=12 m=1
